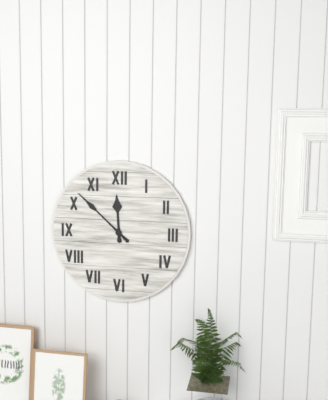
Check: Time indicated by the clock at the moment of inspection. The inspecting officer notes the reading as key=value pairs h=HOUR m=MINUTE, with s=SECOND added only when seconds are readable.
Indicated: h=11 m=52
